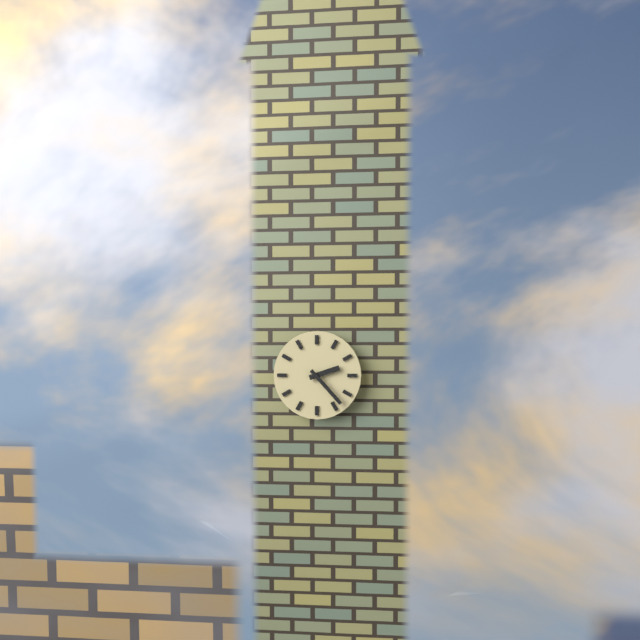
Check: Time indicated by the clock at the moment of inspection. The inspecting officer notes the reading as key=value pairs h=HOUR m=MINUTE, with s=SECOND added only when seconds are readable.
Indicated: h=2 m=23
